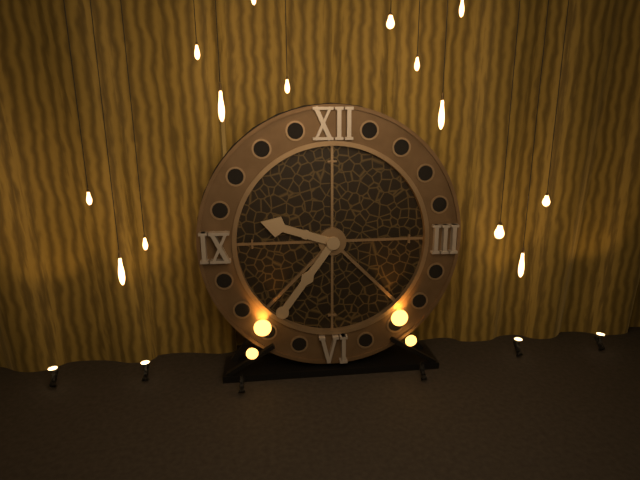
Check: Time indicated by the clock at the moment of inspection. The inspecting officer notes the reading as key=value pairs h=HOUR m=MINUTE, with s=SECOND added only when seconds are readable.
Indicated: h=9 m=36
